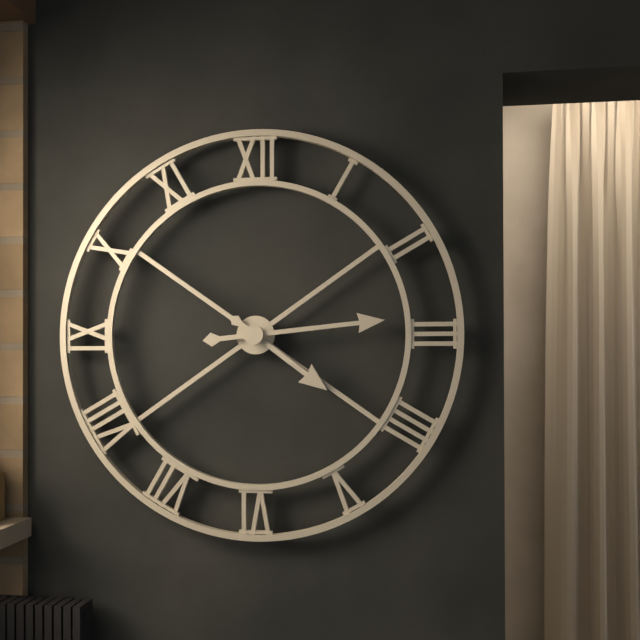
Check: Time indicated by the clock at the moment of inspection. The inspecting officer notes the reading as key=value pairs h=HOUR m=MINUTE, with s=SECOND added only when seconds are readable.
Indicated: h=4 m=14
